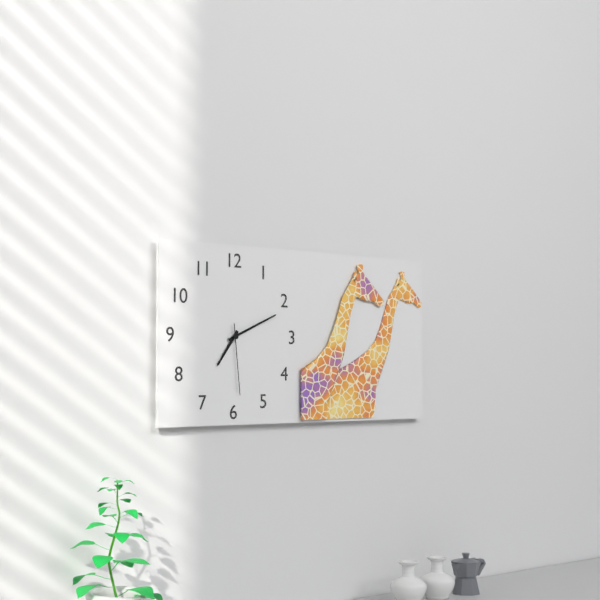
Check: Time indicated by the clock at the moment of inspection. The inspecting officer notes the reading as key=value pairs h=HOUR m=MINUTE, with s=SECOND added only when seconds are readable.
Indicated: h=7 m=11 s=29
